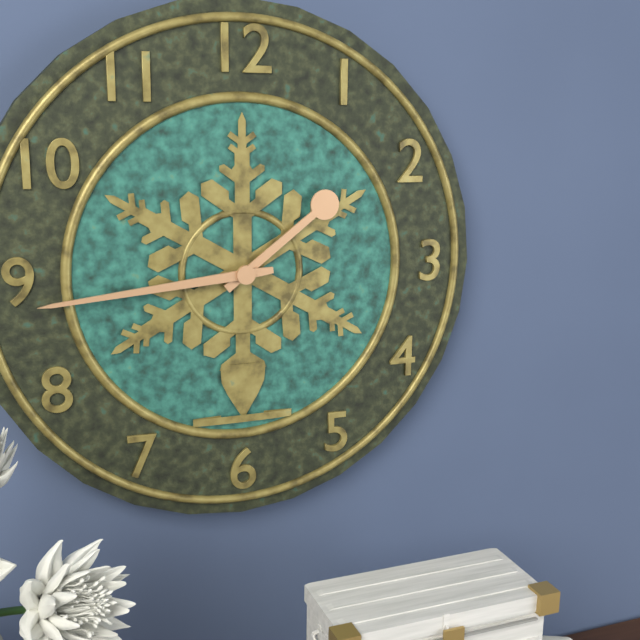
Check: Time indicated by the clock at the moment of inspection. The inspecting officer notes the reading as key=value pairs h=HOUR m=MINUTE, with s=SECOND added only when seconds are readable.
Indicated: h=1 m=44
